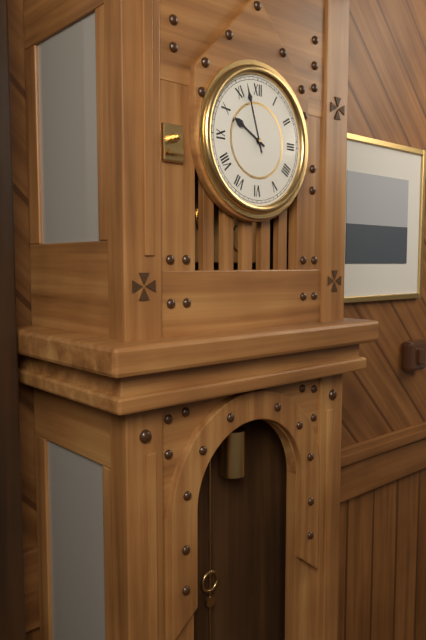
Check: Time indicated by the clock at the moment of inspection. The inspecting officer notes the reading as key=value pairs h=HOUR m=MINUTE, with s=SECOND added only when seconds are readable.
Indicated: h=9 m=57
